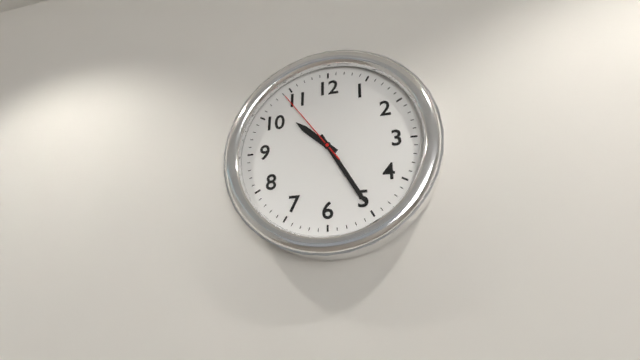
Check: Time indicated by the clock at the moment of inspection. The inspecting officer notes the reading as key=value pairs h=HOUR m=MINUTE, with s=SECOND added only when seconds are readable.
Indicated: h=10 m=25 s=54
